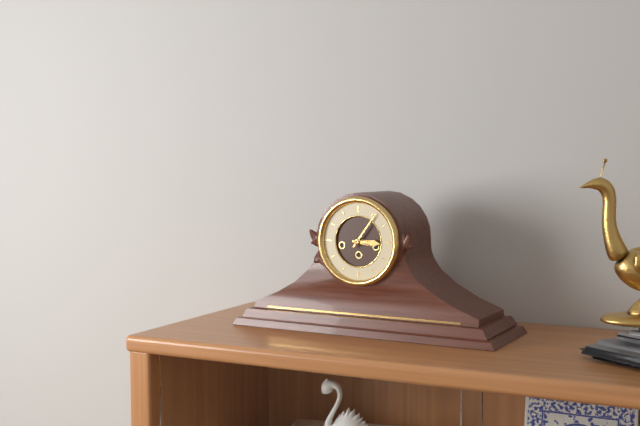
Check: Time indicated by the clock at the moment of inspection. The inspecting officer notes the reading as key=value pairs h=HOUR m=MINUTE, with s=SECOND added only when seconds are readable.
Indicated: h=3 m=6
